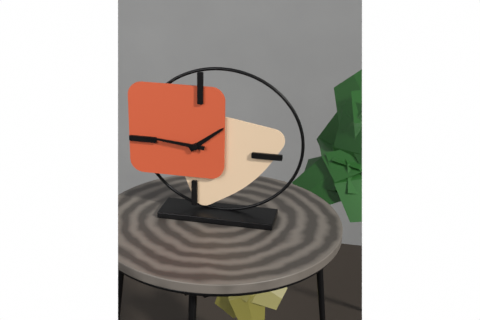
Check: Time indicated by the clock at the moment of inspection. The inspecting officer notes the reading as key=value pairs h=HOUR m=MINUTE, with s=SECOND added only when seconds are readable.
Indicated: h=1 m=46
